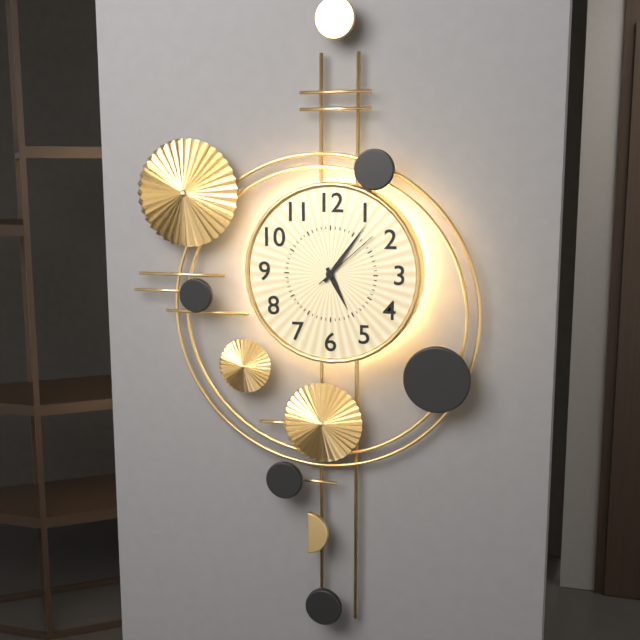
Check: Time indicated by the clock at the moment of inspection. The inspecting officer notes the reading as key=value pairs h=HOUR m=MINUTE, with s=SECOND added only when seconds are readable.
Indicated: h=5 m=6 s=8
